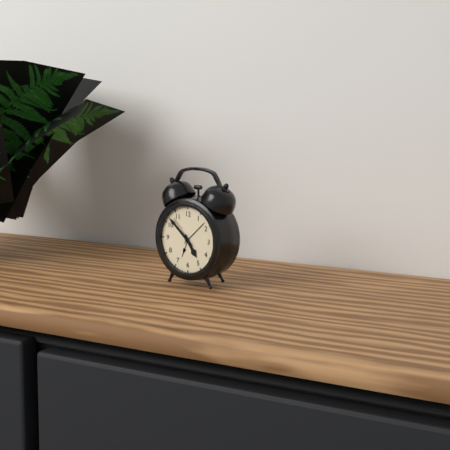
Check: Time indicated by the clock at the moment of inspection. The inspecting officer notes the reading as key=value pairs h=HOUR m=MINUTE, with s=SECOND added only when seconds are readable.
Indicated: h=4 m=52
